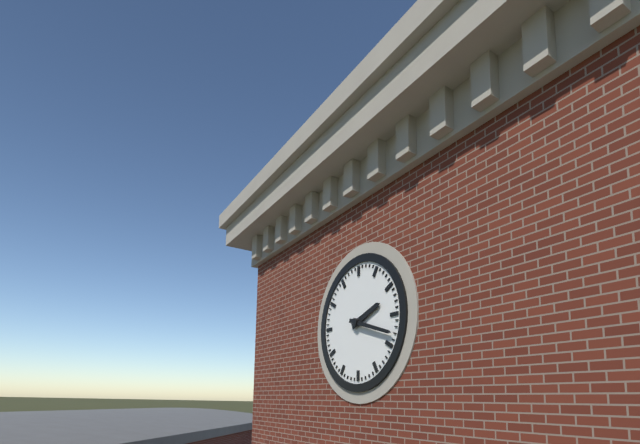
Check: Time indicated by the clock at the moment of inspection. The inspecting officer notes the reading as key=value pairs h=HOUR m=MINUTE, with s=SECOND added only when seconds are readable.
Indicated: h=2 m=18
